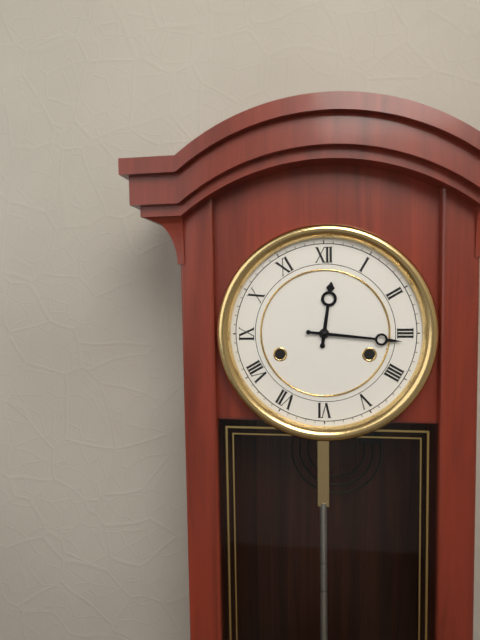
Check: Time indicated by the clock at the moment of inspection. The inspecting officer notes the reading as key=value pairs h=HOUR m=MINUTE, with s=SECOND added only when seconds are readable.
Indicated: h=12 m=16
